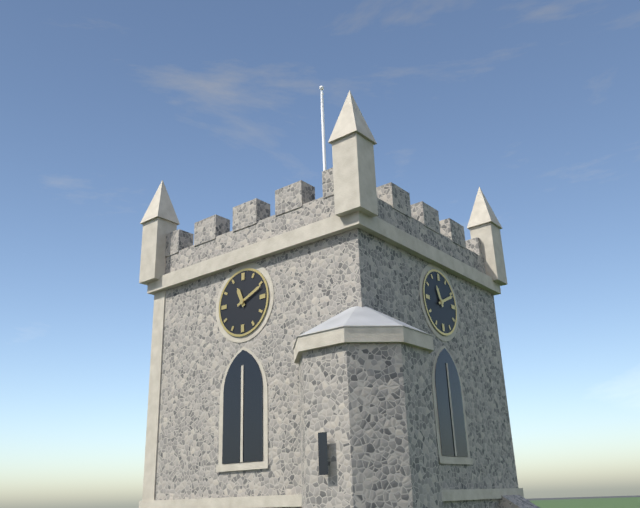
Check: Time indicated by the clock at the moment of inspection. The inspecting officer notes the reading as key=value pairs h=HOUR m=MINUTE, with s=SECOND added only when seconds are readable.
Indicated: h=11 m=11
